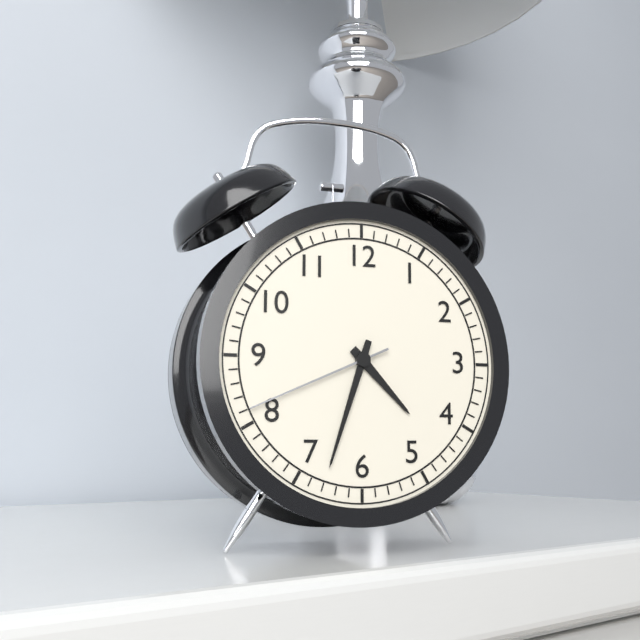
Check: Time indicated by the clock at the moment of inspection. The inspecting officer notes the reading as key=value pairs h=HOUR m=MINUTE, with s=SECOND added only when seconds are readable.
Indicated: h=4 m=33 s=41
